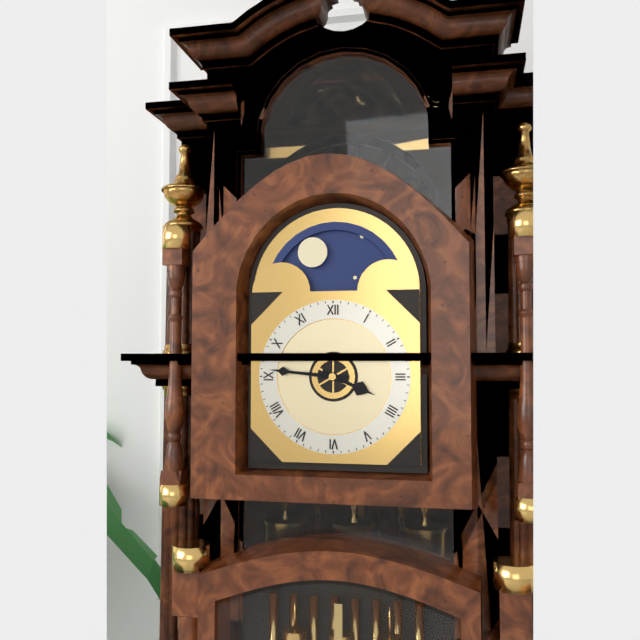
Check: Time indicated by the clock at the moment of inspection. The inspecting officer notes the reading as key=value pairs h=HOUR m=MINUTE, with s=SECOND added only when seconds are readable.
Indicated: h=3 m=46
